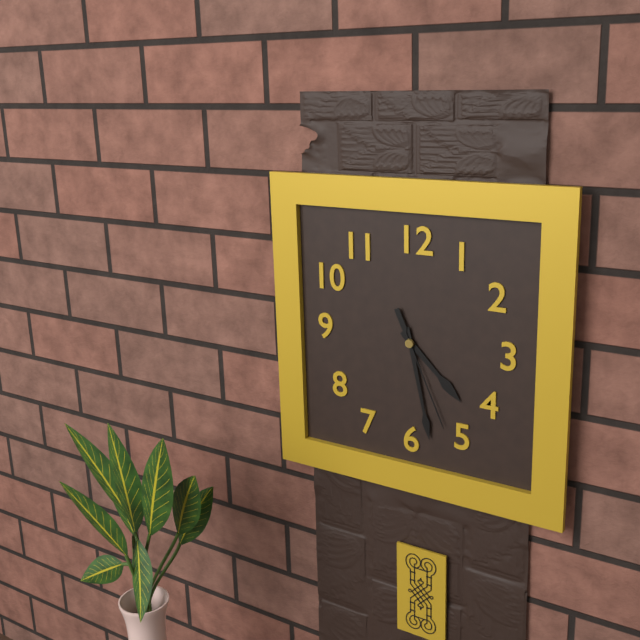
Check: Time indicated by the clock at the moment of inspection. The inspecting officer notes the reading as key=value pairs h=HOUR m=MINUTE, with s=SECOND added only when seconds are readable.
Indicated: h=4 m=28 s=26
